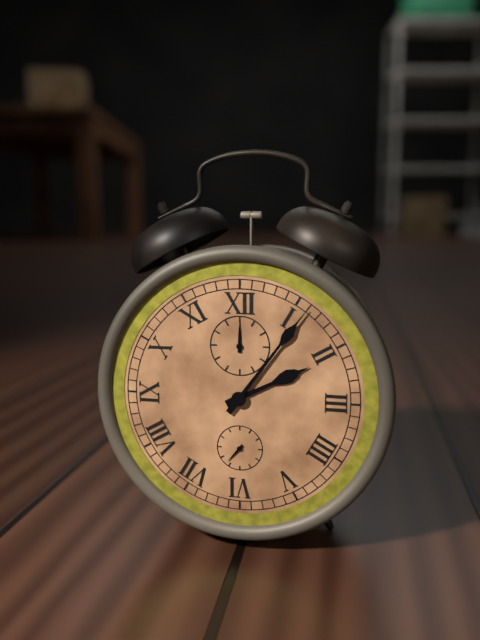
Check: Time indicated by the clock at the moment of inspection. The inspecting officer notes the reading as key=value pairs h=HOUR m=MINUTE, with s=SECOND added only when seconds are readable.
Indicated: h=2 m=6
